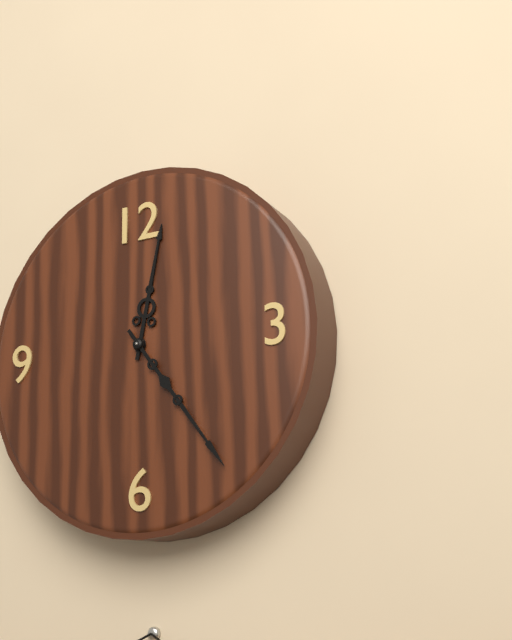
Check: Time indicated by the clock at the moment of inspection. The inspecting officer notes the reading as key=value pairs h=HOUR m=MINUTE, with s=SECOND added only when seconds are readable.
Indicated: h=12 m=24
